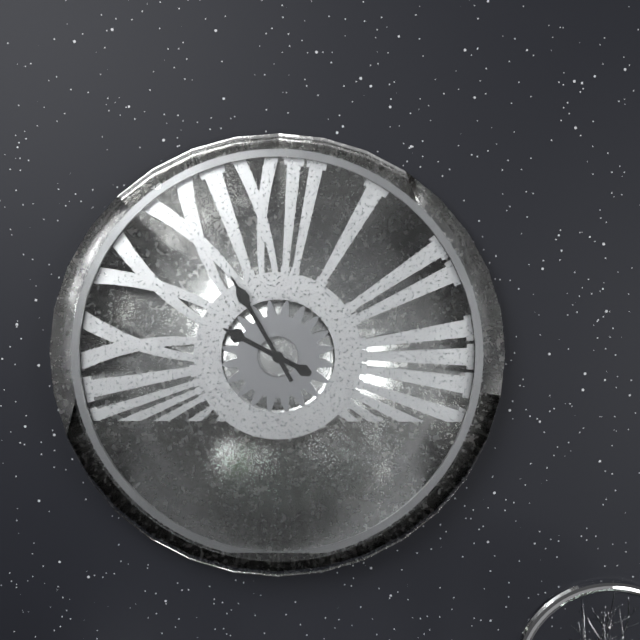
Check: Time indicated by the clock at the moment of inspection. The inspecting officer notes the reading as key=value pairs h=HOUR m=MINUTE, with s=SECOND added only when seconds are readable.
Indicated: h=9 m=55
